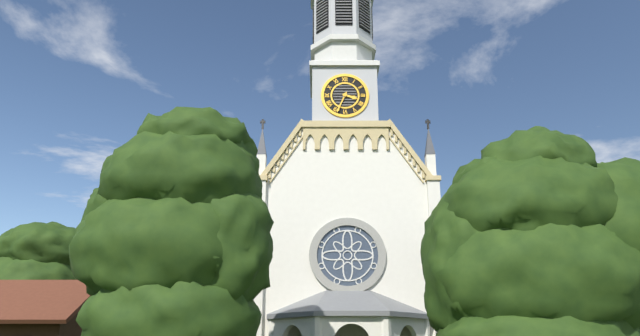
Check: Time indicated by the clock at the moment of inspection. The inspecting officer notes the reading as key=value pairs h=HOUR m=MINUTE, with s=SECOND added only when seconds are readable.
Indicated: h=3 m=34
